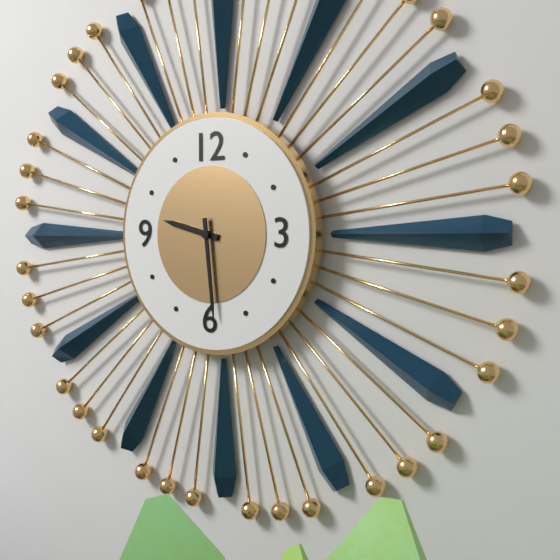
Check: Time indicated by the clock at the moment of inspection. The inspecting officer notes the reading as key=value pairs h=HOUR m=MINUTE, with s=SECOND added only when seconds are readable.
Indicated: h=9 m=29
